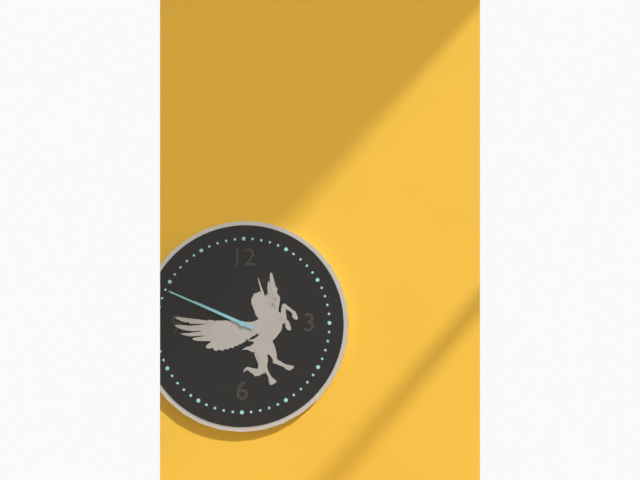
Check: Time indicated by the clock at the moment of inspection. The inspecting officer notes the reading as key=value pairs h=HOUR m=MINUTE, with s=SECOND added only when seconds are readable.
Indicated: h=9 m=49
